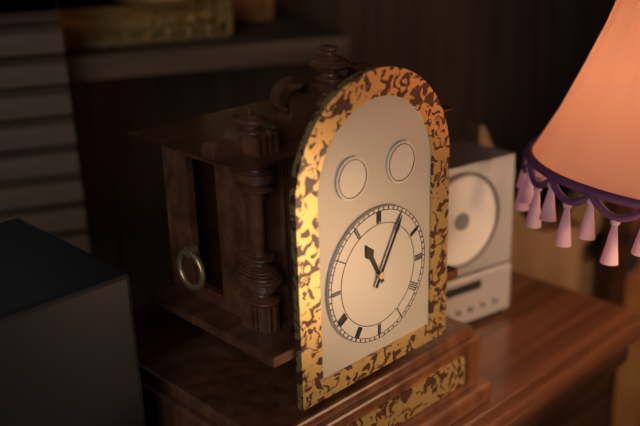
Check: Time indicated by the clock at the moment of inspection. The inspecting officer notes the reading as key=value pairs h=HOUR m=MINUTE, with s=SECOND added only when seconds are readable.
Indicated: h=11 m=5
